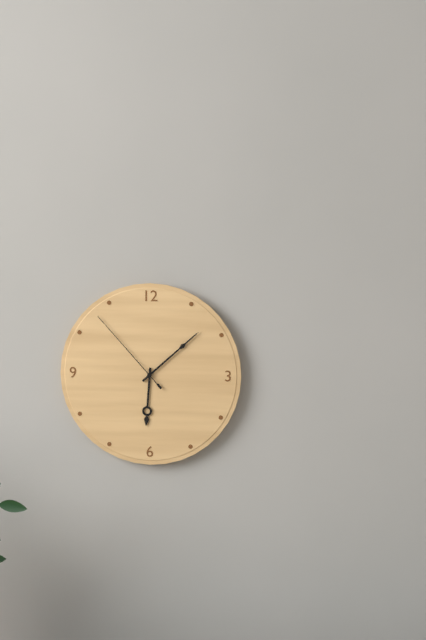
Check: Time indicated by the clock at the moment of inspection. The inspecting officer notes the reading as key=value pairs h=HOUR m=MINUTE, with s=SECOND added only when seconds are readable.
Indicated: h=6 m=8 s=53
